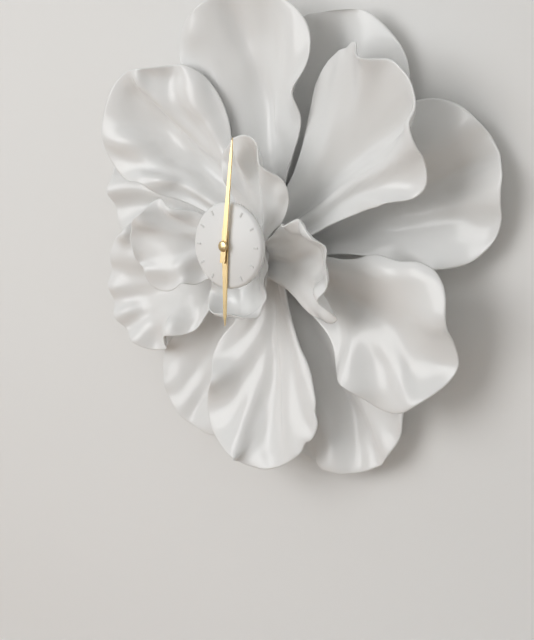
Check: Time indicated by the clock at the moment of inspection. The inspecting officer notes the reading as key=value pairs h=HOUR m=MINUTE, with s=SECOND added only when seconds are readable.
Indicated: h=6 m=1
